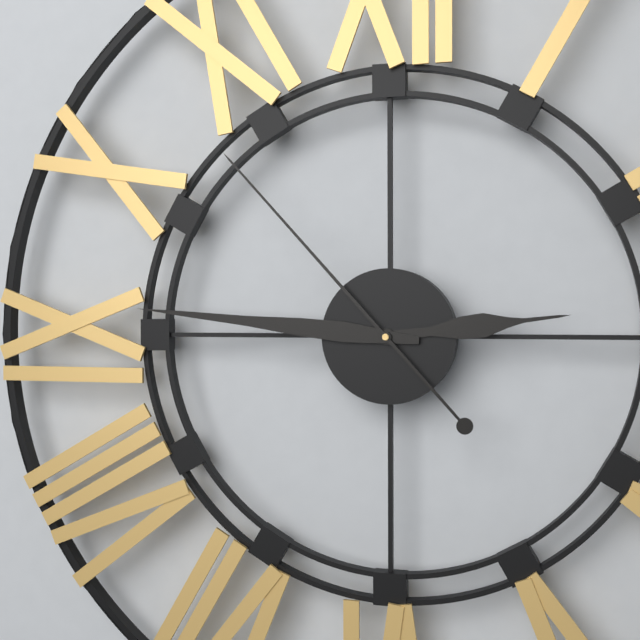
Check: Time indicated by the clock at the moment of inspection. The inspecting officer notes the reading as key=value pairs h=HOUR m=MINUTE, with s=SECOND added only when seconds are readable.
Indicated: h=2 m=46 s=53
